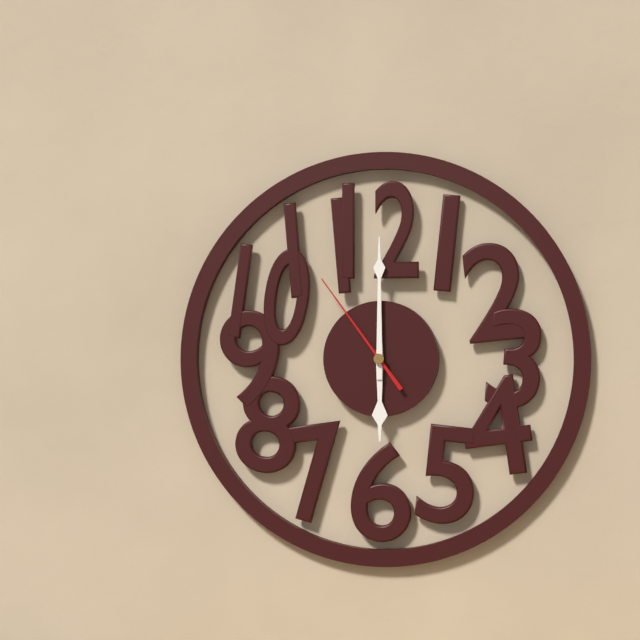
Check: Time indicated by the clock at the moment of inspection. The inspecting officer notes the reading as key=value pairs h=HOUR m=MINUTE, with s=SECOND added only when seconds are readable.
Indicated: h=6 m=0 s=54
